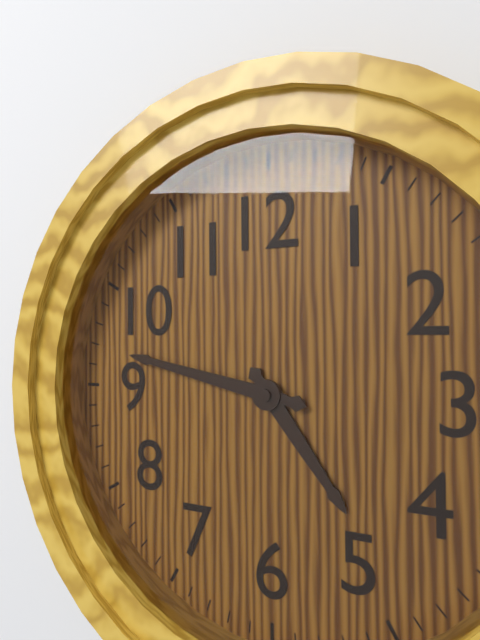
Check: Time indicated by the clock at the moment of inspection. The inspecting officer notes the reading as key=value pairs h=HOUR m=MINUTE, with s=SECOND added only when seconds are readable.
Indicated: h=4 m=47
